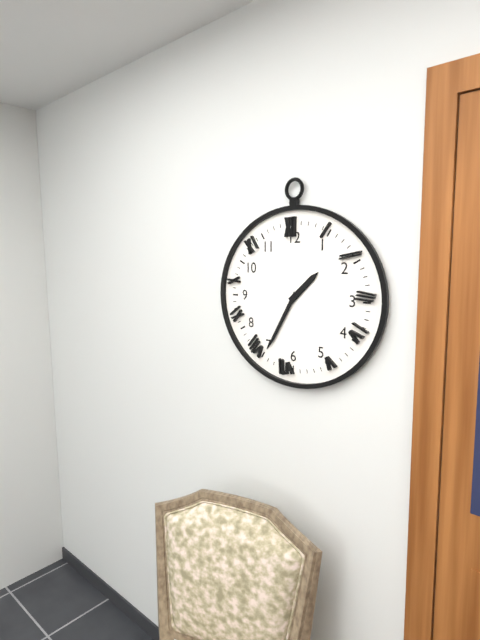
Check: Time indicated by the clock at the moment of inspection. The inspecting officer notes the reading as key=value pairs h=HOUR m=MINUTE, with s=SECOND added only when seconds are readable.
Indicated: h=1 m=35
